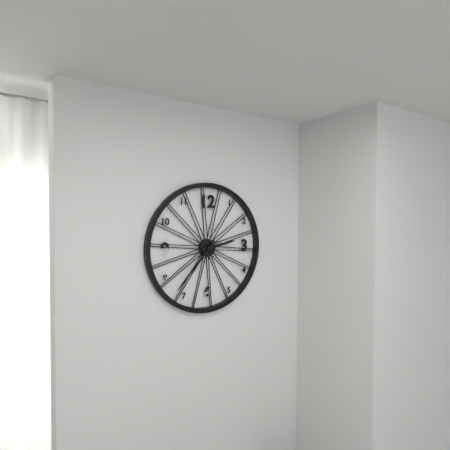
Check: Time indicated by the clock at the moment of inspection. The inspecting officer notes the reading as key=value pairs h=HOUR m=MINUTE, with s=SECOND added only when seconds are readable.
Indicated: h=2 m=37
